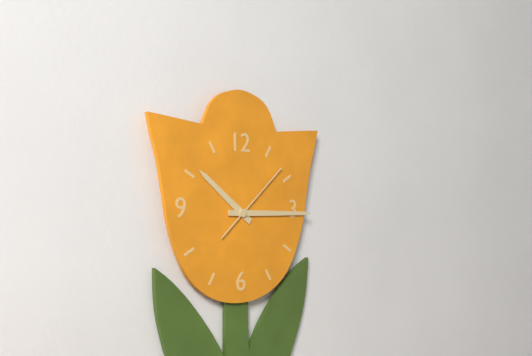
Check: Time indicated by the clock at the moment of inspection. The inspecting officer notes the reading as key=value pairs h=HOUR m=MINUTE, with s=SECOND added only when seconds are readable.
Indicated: h=10 m=15 s=8
